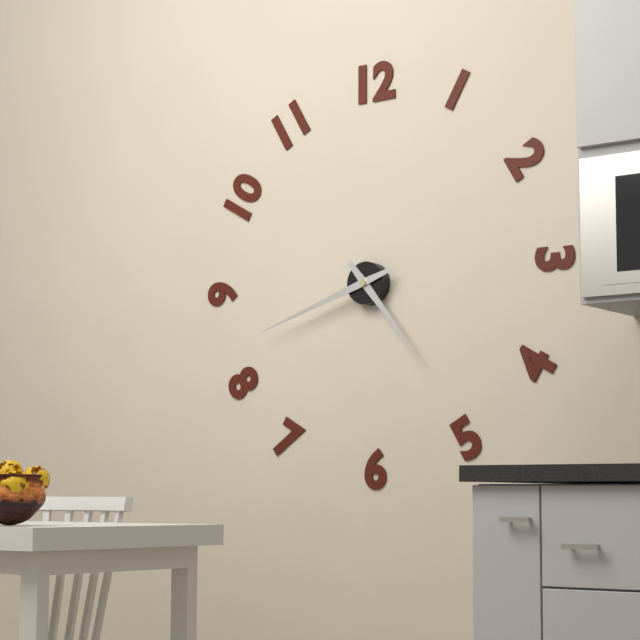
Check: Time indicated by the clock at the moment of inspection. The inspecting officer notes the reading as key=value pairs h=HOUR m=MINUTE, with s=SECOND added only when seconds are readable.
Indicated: h=4 m=42
